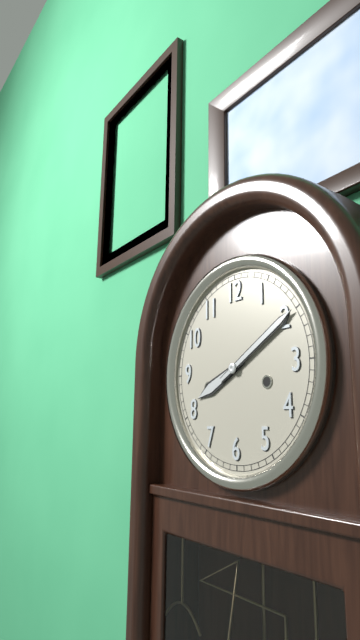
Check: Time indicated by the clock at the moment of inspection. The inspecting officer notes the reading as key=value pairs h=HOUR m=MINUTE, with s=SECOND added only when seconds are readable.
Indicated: h=8 m=10
